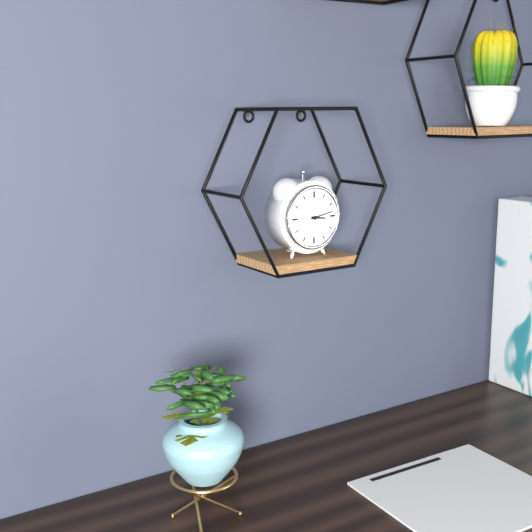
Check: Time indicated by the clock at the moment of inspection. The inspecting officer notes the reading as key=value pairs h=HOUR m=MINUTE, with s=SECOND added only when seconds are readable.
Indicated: h=3 m=13
